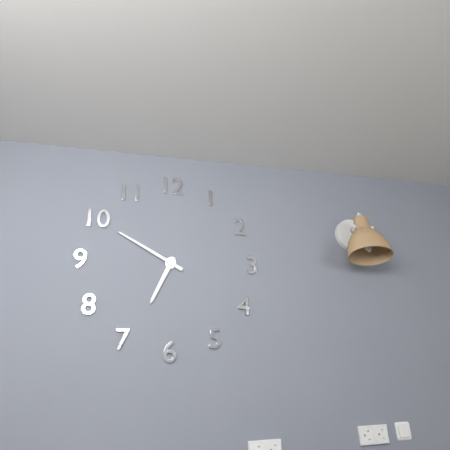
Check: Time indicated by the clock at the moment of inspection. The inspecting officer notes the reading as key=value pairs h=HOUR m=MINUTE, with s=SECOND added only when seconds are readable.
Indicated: h=6 m=50
